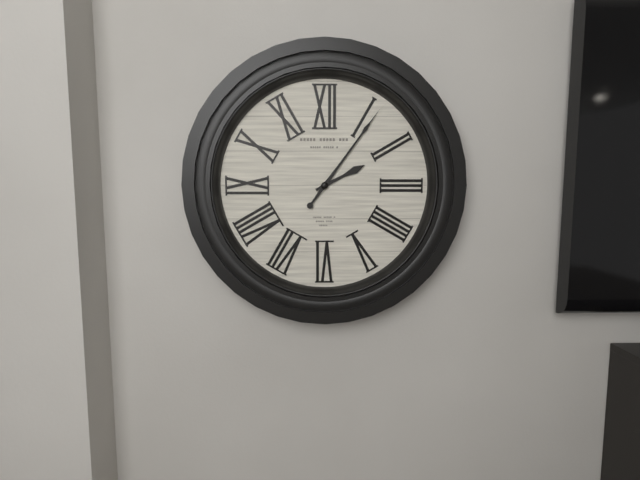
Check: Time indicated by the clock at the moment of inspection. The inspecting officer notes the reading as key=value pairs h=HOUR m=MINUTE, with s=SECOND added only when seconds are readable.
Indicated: h=2 m=6
